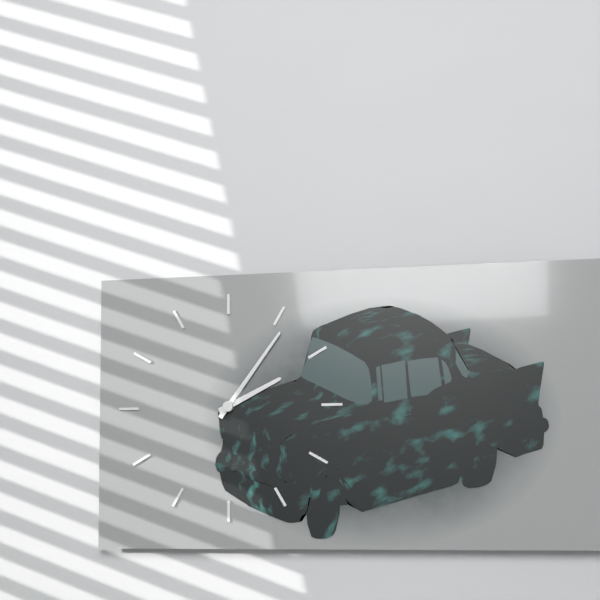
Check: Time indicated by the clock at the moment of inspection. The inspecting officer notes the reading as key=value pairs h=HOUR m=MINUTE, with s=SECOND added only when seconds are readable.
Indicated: h=2 m=6
